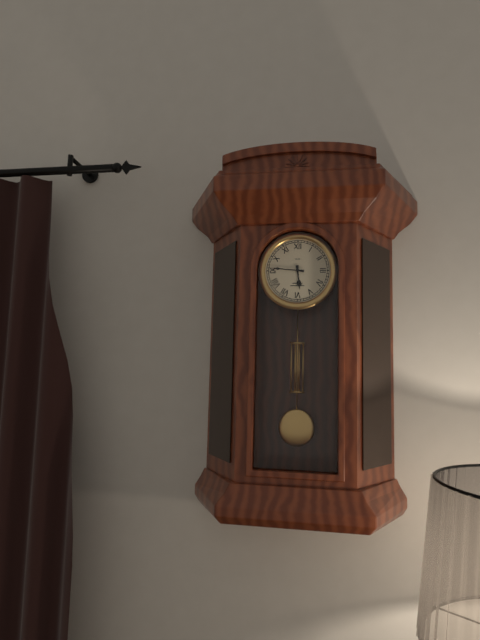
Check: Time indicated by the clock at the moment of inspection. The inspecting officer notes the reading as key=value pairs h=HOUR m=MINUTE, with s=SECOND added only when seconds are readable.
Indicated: h=5 m=46
